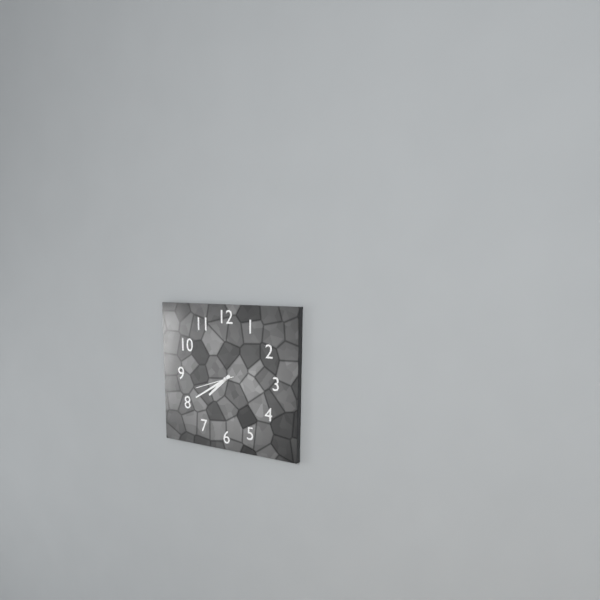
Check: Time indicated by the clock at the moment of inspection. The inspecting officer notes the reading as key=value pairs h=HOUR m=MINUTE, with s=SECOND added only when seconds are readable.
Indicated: h=7 m=40
